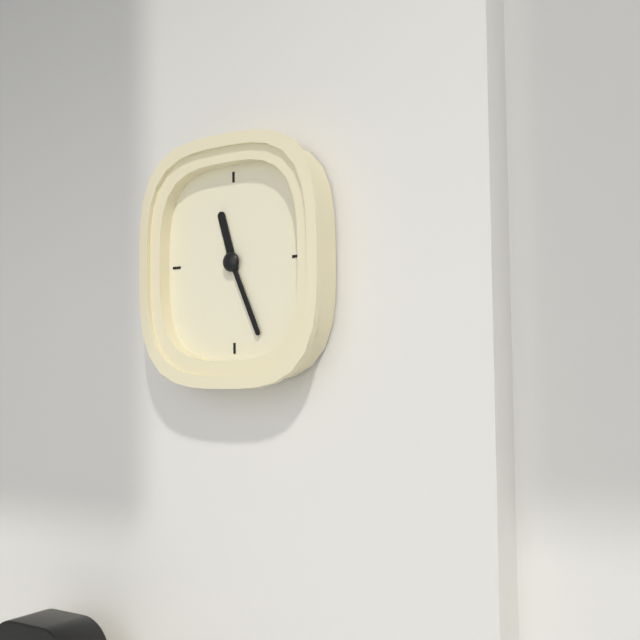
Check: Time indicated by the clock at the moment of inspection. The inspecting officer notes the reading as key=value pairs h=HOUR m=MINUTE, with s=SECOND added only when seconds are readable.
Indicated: h=11 m=26
